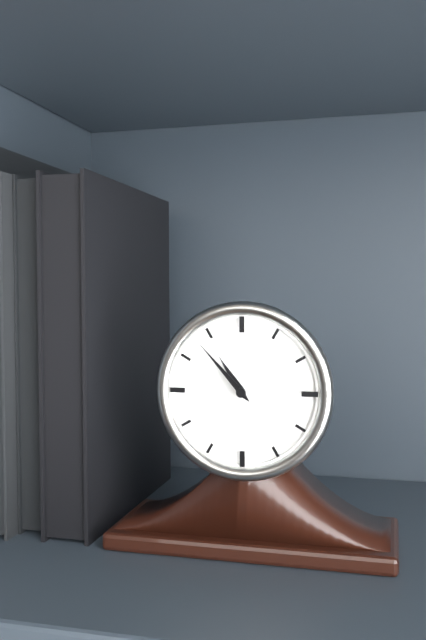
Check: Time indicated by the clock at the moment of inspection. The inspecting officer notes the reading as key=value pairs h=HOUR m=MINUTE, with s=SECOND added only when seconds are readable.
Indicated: h=10 m=53
